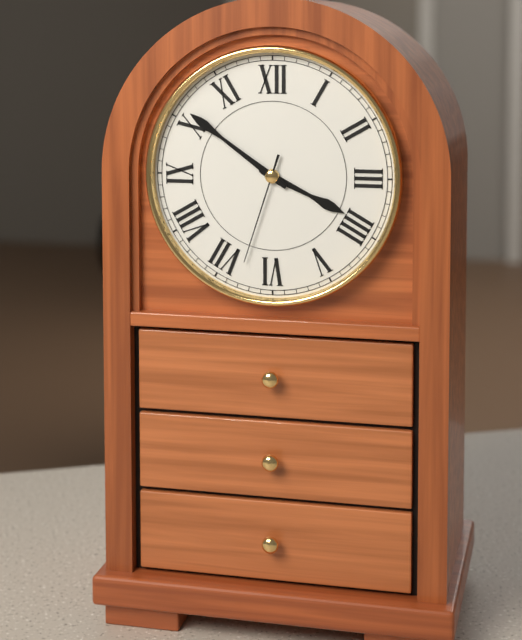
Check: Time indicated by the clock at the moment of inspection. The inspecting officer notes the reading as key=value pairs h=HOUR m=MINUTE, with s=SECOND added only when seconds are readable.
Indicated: h=3 m=51 s=33
